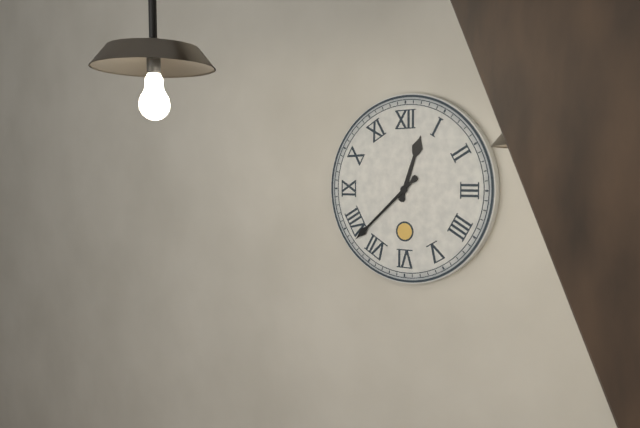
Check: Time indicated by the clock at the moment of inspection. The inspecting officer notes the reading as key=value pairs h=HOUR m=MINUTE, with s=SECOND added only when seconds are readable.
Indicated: h=12 m=38
